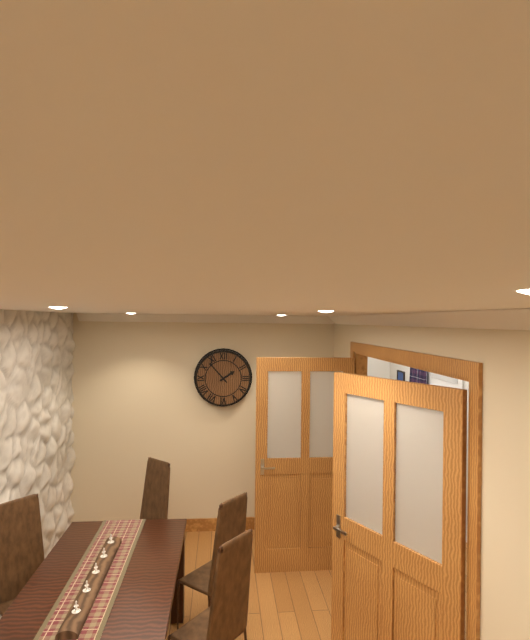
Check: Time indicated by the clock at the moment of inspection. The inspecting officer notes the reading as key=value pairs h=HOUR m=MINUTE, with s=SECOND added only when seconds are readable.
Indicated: h=1 m=53
